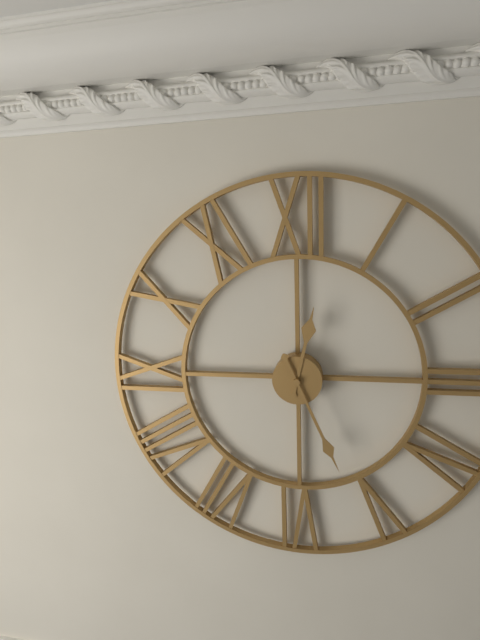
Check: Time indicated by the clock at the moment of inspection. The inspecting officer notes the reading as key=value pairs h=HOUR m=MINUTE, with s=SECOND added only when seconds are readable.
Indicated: h=12 m=26
